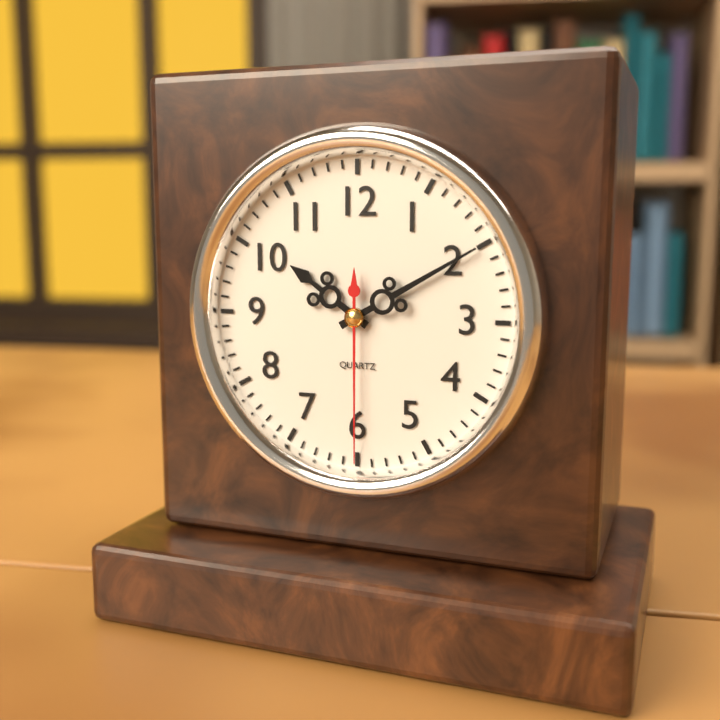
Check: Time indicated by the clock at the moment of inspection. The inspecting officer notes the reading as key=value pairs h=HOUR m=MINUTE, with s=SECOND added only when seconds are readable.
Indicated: h=10 m=10 s=30
